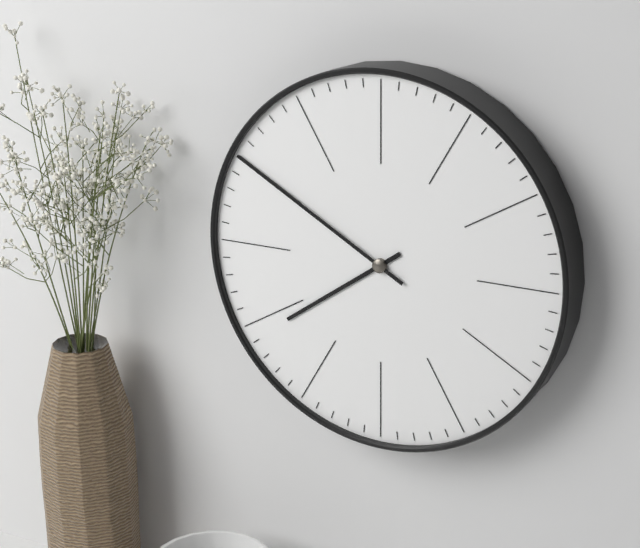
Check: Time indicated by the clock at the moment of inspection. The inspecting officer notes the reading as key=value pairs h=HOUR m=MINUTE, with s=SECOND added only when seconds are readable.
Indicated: h=7 m=50
